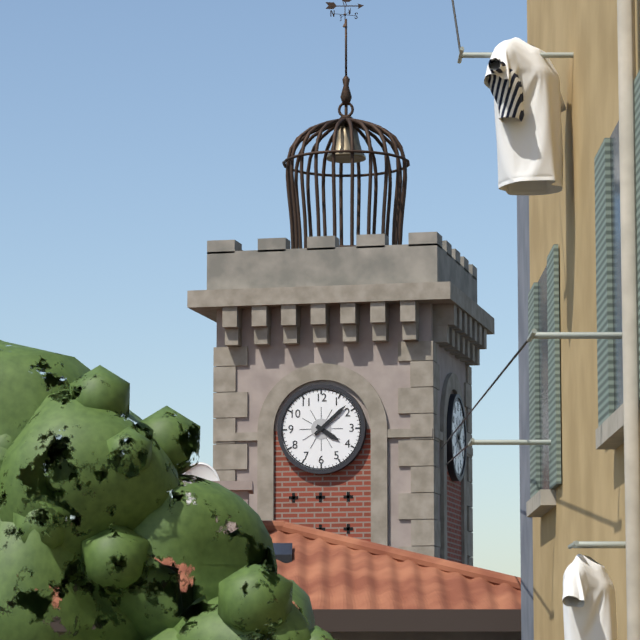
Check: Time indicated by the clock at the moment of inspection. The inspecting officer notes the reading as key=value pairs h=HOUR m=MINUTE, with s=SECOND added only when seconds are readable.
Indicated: h=4 m=8
